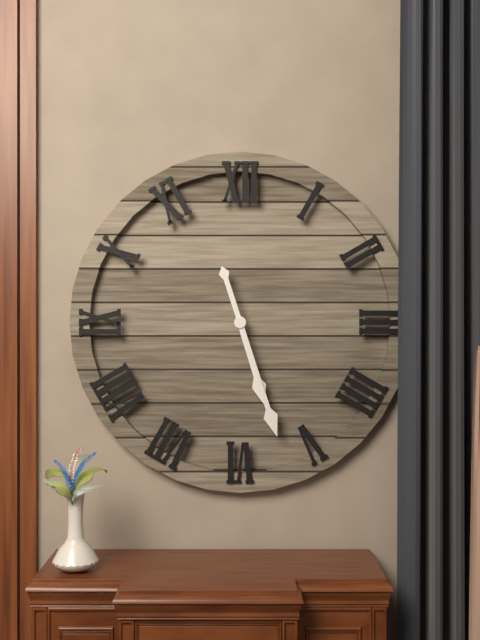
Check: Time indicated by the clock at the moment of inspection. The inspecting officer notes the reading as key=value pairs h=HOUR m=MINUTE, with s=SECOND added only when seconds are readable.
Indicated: h=5 m=27
